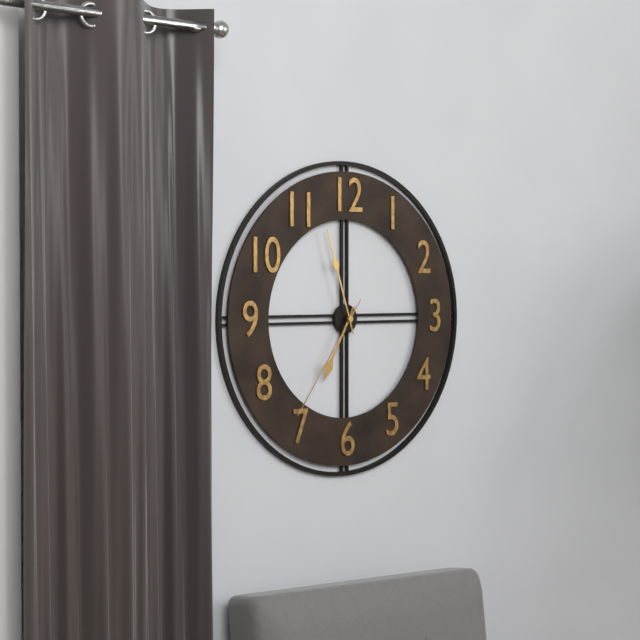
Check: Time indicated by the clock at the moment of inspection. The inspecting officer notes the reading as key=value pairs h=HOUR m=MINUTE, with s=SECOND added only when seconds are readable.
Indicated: h=6 m=57 s=36
